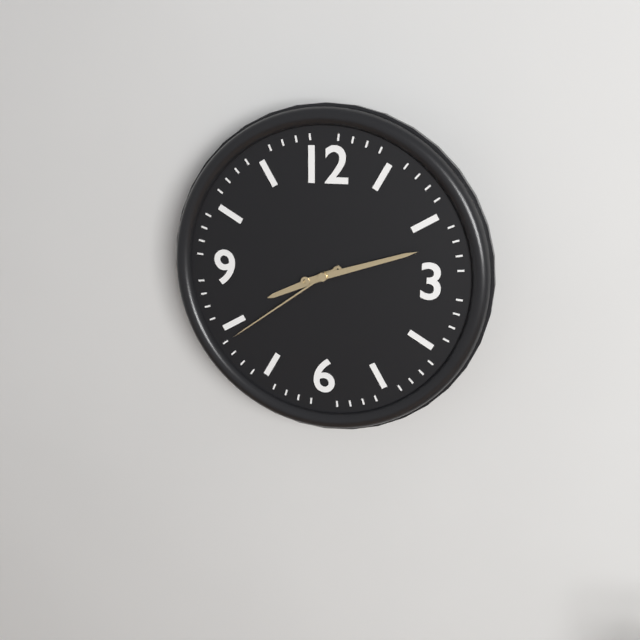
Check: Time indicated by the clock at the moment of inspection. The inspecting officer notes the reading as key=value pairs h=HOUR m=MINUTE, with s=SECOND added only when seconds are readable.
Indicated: h=8 m=12 s=39
